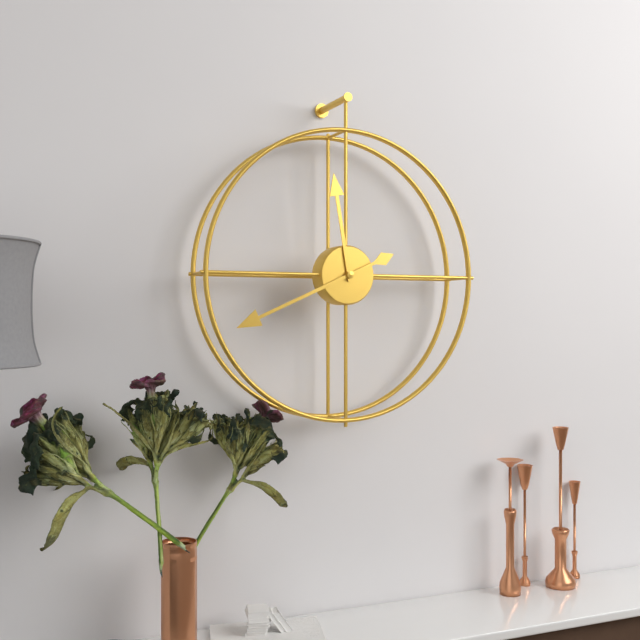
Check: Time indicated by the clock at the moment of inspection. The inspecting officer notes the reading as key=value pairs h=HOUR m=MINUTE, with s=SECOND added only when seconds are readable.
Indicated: h=11 m=41
